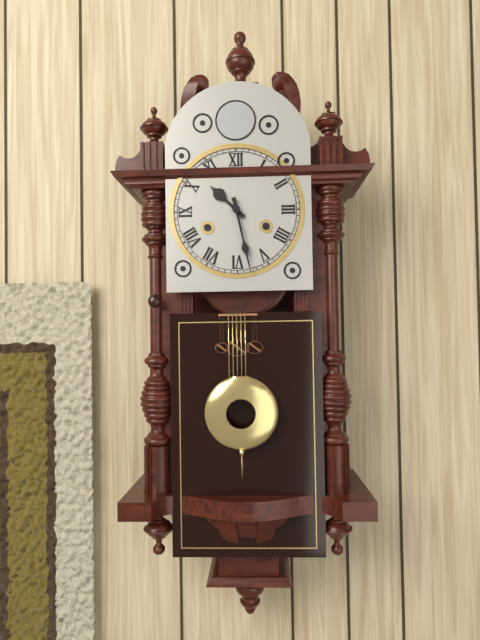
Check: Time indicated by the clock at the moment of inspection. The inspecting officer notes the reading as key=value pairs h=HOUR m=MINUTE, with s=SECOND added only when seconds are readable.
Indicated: h=10 m=28
